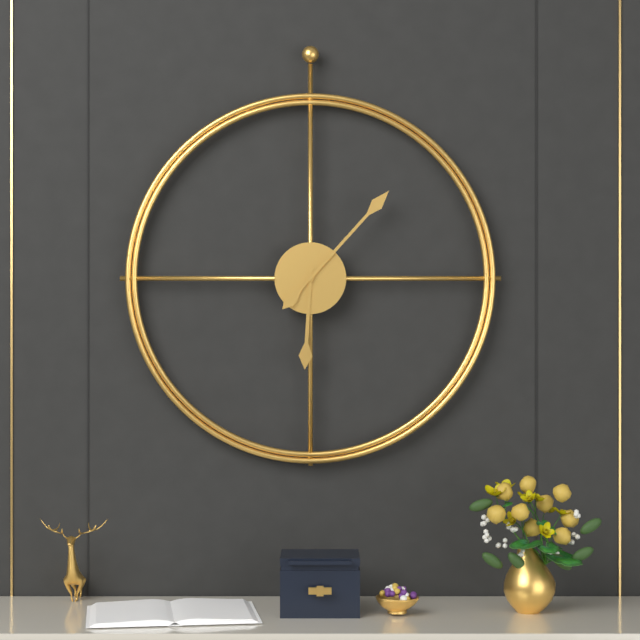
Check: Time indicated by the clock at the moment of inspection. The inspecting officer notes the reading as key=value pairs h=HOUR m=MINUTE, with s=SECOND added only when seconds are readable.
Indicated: h=6 m=7
